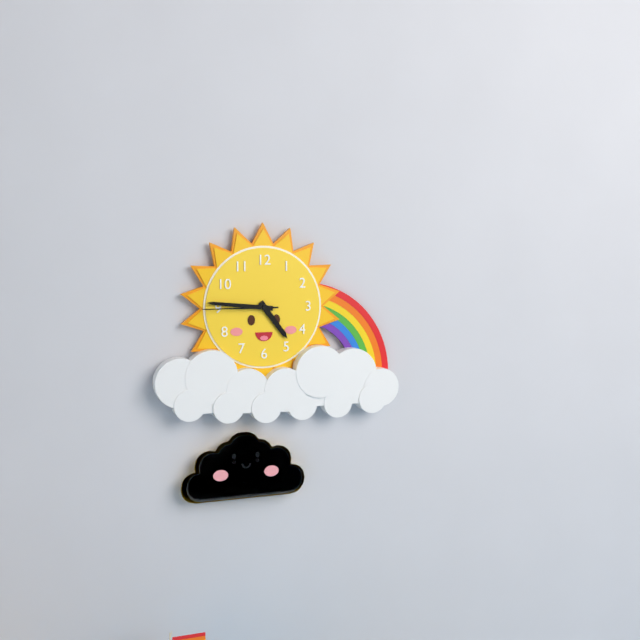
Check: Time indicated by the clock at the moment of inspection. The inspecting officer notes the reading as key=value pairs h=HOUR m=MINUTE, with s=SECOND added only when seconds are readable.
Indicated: h=4 m=46 s=45
